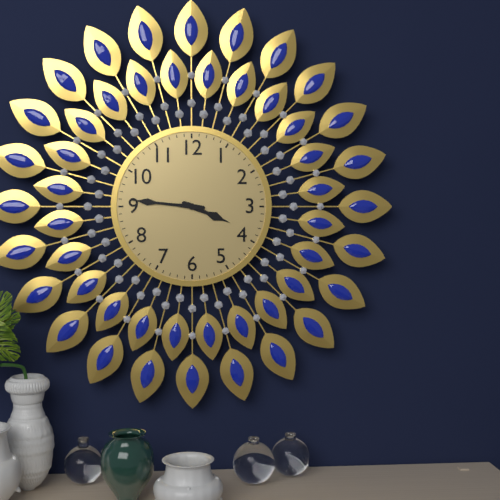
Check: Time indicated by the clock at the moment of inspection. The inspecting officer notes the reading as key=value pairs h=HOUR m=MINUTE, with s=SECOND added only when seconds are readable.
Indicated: h=3 m=46
